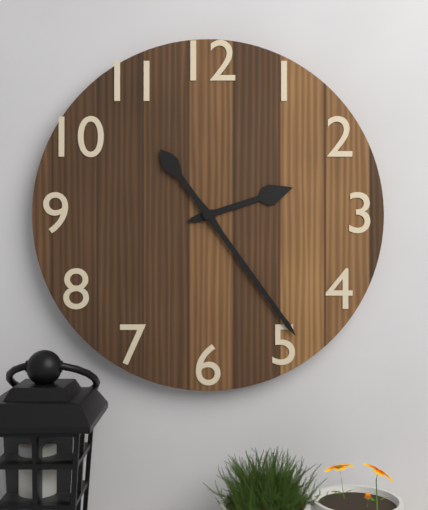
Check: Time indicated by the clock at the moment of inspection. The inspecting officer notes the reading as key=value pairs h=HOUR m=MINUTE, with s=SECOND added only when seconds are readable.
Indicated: h=2 m=24
